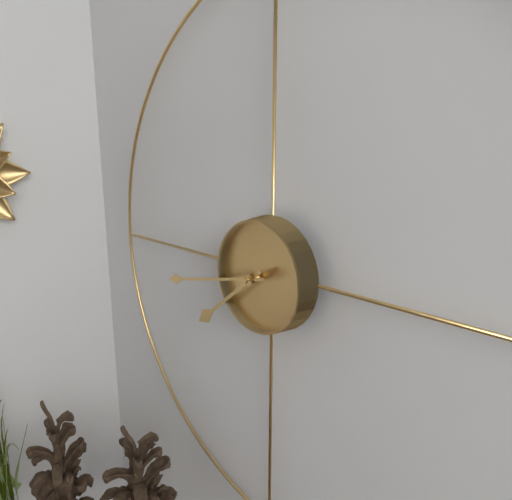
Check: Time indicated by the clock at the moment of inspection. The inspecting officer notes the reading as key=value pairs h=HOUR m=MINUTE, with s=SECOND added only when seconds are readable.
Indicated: h=7 m=43
